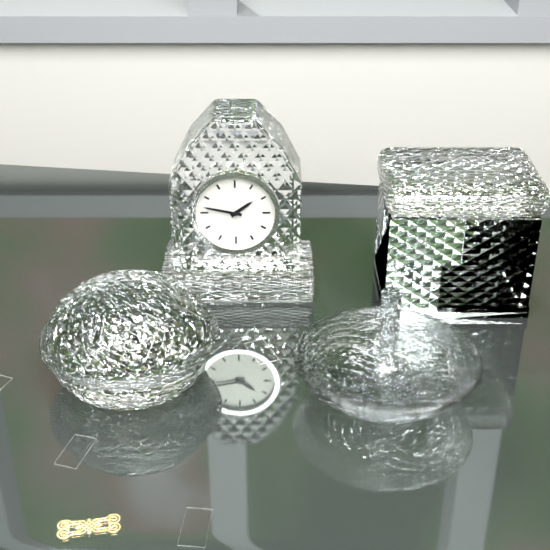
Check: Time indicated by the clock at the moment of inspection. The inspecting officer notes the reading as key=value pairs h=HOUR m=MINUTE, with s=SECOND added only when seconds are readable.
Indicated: h=1 m=47
